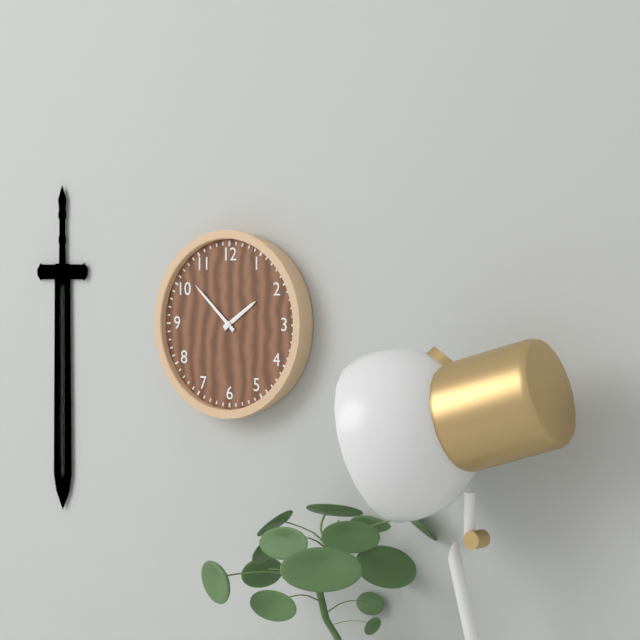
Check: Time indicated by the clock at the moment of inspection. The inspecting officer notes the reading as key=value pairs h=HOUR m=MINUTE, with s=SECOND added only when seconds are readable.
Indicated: h=1 m=52
